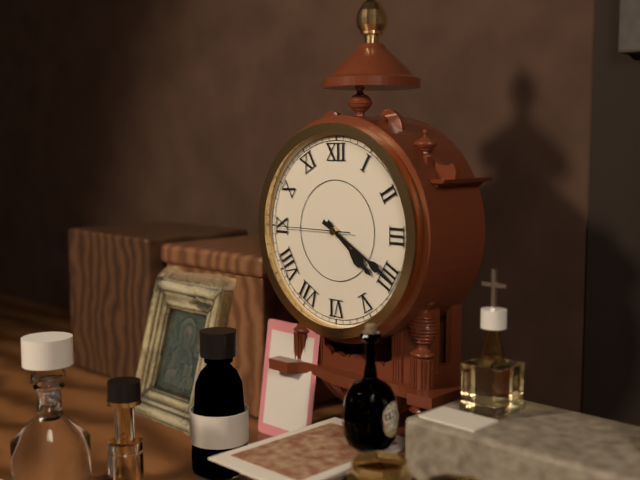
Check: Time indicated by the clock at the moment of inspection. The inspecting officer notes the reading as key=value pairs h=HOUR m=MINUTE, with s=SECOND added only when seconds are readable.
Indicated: h=4 m=20 s=45
